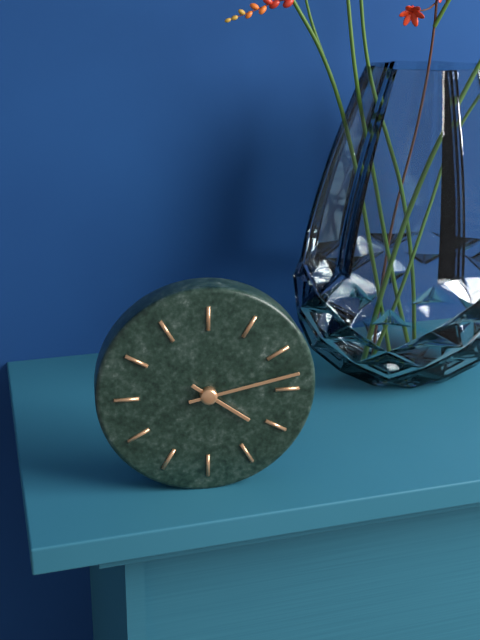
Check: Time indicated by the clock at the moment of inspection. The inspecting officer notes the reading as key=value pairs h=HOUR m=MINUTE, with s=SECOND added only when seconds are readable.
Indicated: h=4 m=13
